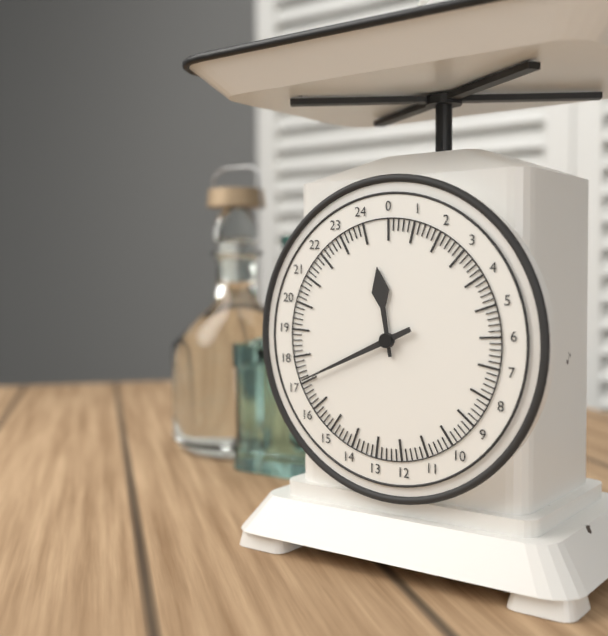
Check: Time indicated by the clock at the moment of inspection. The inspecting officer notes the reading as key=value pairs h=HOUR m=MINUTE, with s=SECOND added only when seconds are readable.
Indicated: h=11 m=41
